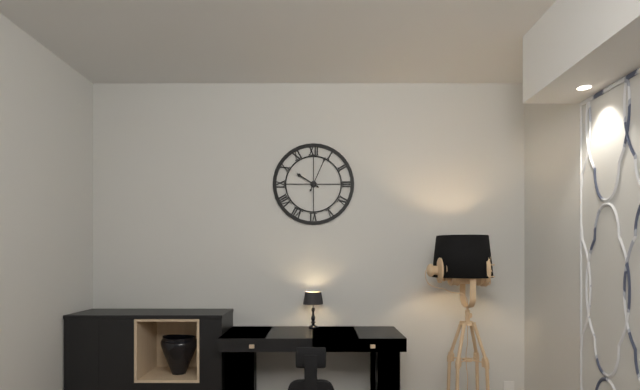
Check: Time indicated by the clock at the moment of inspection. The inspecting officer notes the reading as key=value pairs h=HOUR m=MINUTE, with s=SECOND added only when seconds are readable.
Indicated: h=10 m=4
